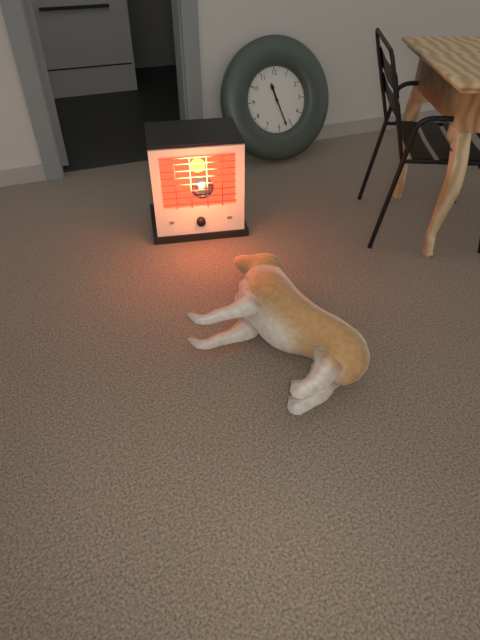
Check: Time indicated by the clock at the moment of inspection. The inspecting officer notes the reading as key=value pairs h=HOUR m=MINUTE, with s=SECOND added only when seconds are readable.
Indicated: h=11 m=27
